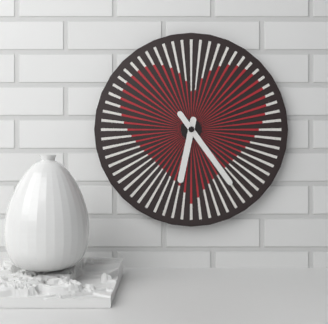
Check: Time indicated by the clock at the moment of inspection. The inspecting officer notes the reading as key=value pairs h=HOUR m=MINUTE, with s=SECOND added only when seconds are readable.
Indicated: h=6 m=24
